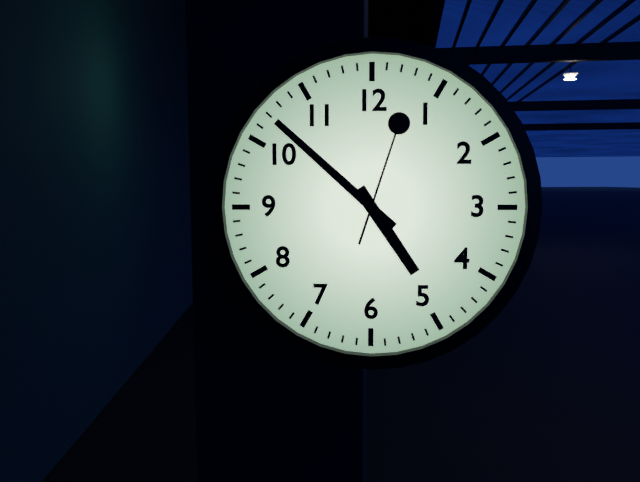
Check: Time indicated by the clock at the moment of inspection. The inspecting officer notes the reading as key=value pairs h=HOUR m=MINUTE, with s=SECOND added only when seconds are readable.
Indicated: h=4 m=52 s=3
